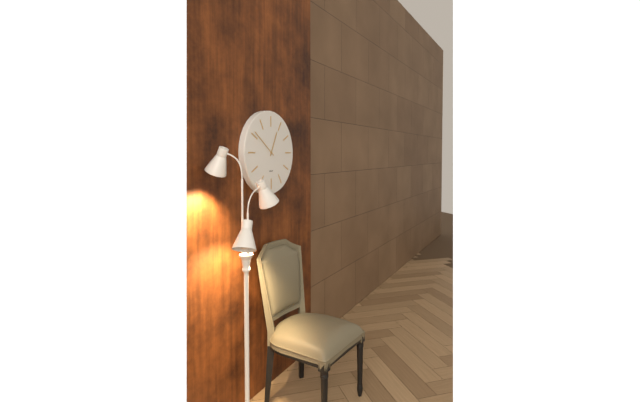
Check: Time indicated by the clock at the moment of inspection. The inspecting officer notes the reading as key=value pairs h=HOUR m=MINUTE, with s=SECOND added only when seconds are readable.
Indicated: h=12 m=51
